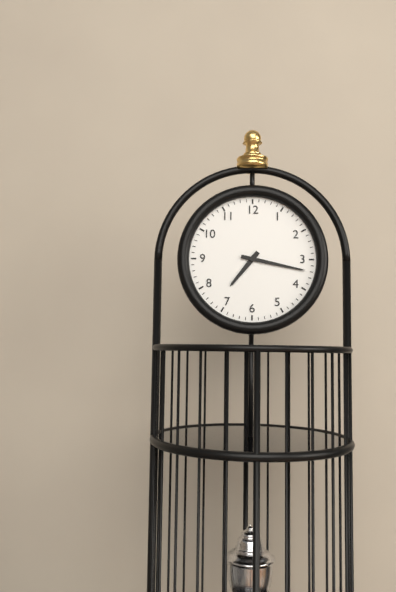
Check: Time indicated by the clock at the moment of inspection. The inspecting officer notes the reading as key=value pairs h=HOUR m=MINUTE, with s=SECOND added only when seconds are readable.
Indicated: h=7 m=17
